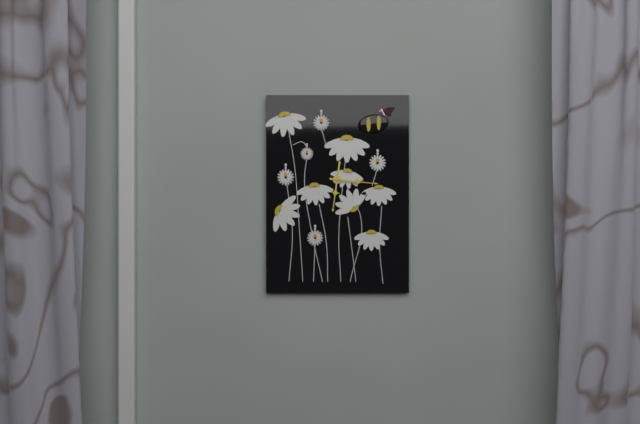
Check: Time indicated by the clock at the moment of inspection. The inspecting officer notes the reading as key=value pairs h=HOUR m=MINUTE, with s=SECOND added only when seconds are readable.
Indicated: h=6 m=16
